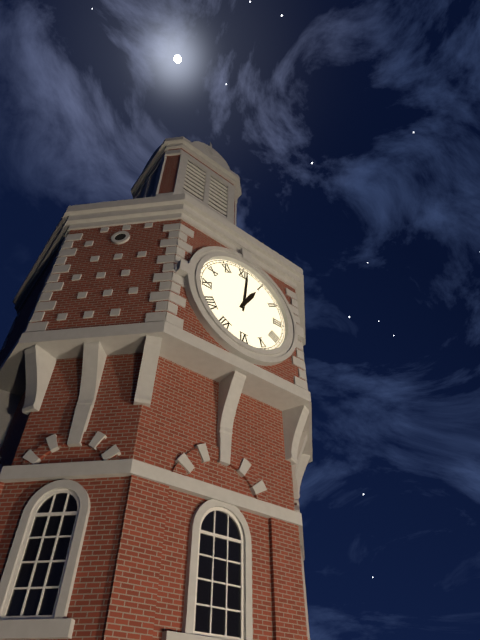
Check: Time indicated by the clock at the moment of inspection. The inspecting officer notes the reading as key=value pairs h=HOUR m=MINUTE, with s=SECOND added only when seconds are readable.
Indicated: h=1 m=1
